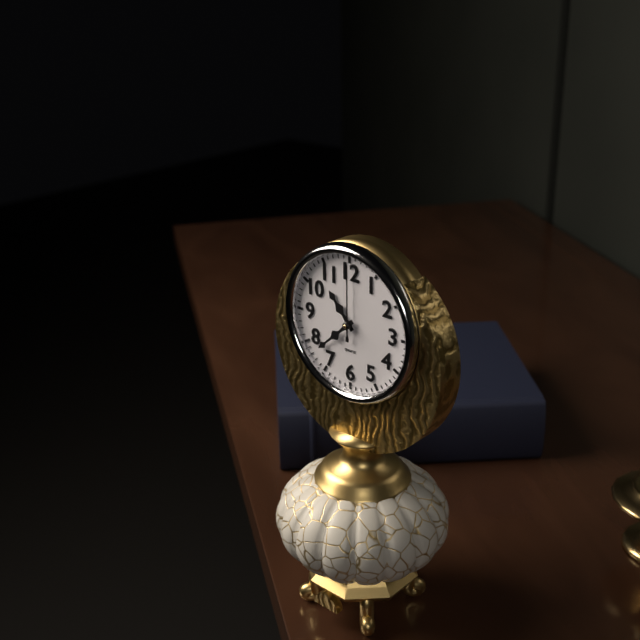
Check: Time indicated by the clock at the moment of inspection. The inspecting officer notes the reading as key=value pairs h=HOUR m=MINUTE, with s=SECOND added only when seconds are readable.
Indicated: h=10 m=38 s=0
